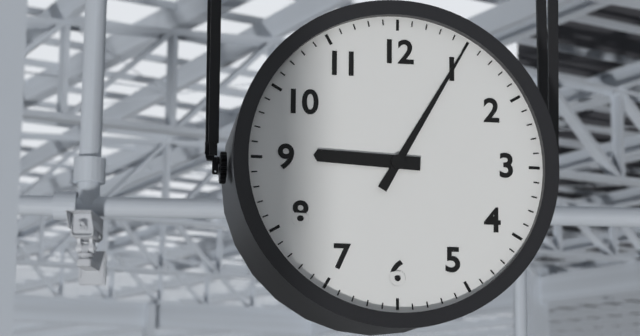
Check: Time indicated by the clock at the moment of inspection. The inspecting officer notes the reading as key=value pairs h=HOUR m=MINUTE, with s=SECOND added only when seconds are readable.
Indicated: h=9 m=5
